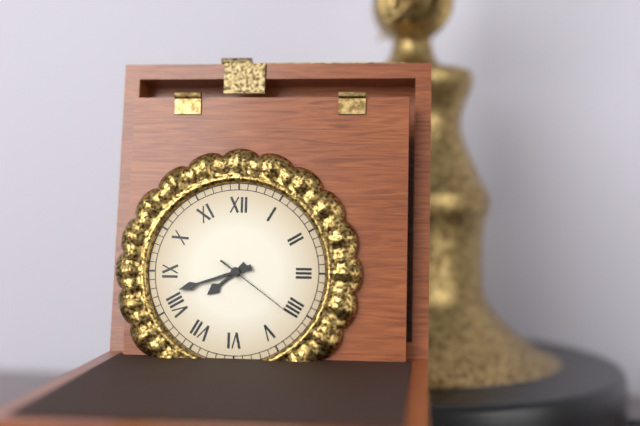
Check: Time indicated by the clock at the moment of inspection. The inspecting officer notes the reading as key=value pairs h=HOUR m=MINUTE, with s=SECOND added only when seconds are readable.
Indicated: h=7 m=42 s=21
